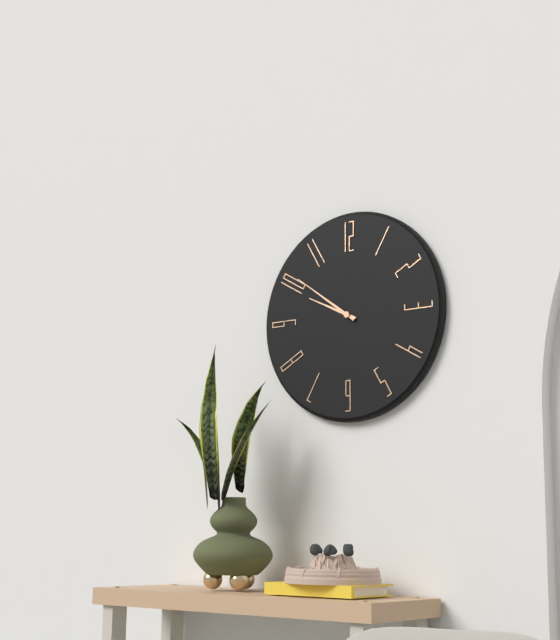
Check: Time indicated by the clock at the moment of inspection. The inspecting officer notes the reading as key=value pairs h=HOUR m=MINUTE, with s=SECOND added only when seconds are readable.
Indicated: h=9 m=51
